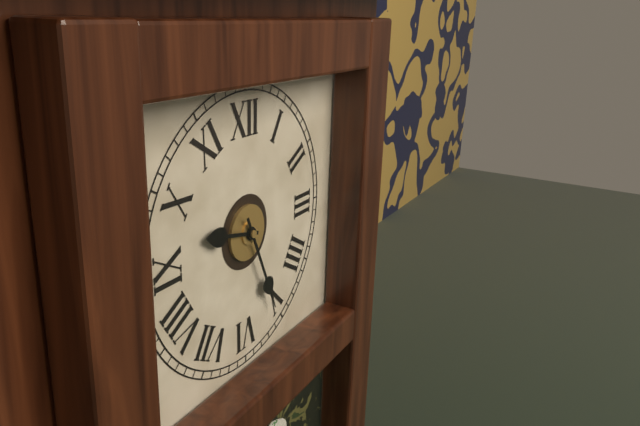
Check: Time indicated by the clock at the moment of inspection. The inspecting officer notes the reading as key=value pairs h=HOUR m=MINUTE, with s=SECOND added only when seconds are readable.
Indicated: h=9 m=26
